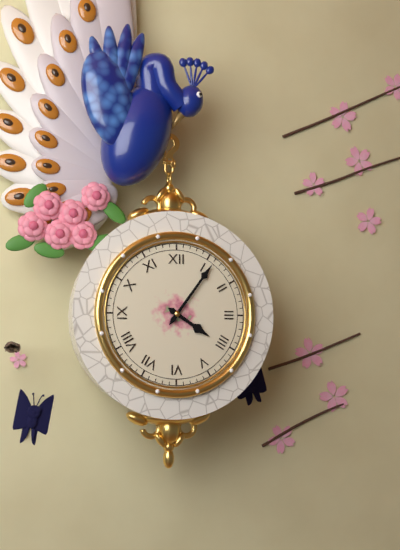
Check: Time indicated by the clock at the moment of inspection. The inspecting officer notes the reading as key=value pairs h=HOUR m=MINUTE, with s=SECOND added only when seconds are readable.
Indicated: h=4 m=6
